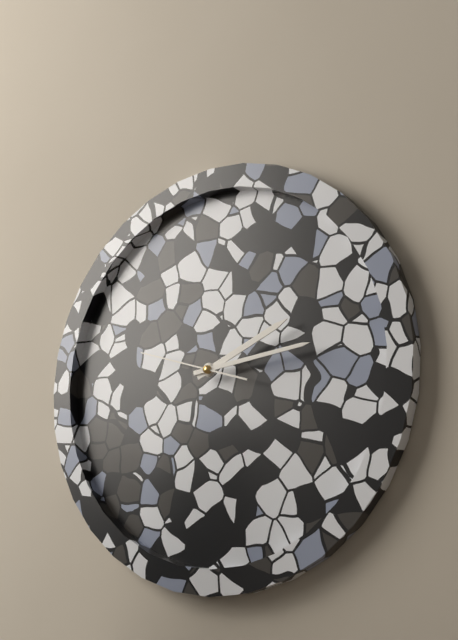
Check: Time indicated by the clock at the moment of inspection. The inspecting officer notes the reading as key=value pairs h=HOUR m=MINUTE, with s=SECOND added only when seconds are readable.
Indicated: h=2 m=14 s=48
